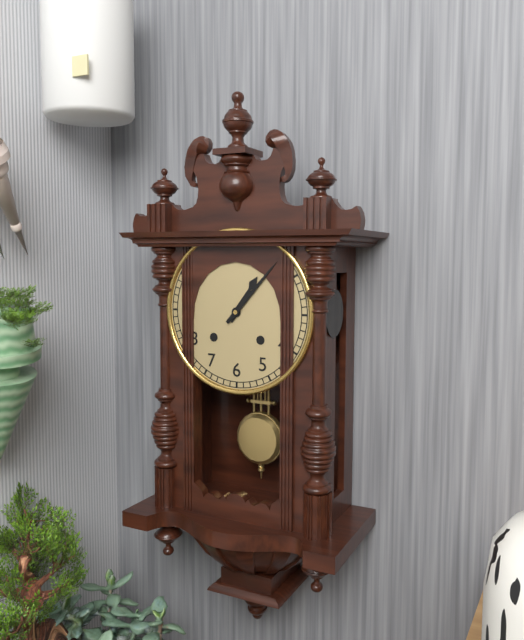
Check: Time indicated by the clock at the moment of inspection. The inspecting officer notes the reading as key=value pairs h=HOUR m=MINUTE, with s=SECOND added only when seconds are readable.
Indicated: h=1 m=7
